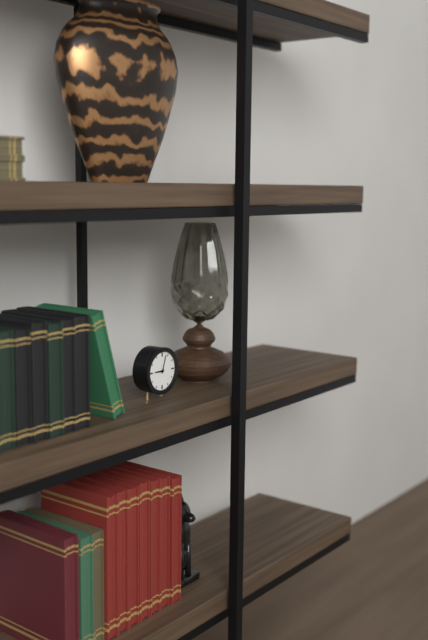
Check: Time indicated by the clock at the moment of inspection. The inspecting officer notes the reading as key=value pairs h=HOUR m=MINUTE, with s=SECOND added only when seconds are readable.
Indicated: h=9 m=3
